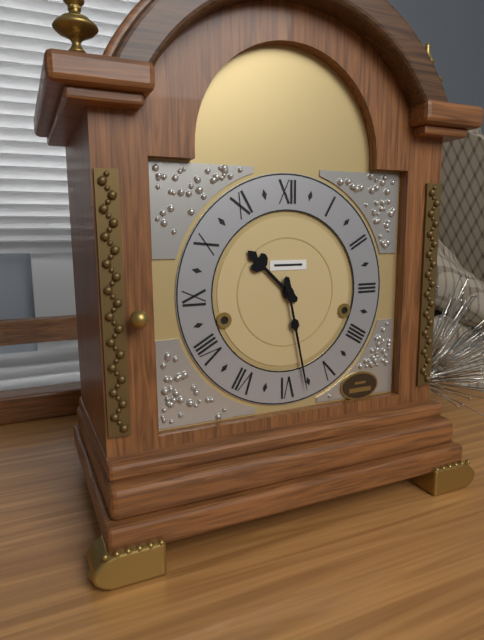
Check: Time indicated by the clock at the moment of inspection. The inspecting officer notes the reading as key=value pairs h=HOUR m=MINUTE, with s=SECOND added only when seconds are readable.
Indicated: h=10 m=28
